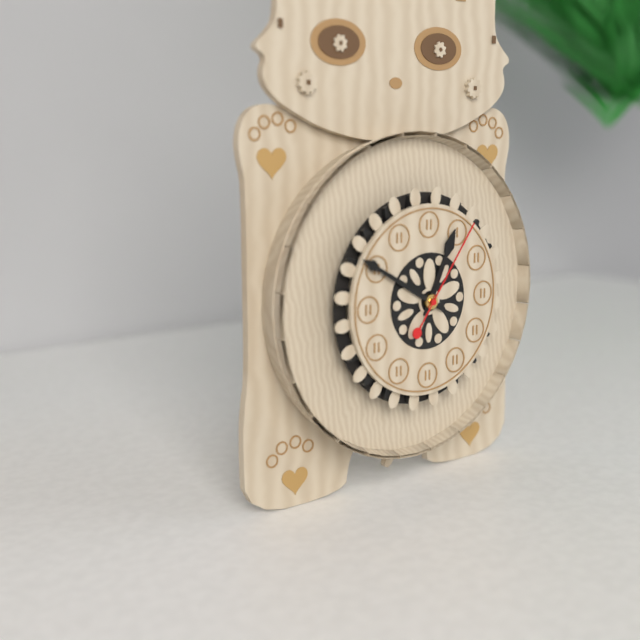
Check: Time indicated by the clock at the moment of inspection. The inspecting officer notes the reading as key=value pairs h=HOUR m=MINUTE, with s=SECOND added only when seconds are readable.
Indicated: h=12 m=50 s=6
